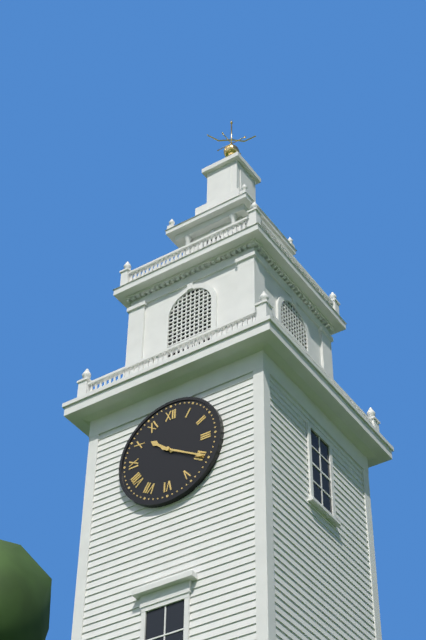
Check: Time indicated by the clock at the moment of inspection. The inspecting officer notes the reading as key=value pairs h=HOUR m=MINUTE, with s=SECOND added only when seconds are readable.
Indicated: h=10 m=20
